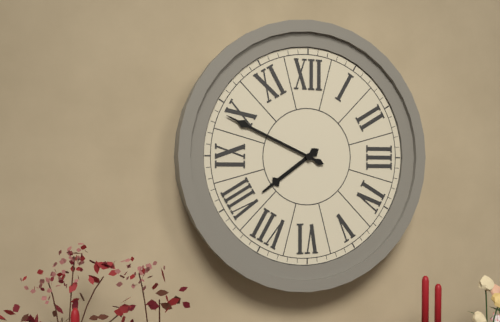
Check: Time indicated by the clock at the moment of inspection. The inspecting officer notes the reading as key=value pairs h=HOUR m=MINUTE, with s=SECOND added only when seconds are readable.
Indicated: h=7 m=49
